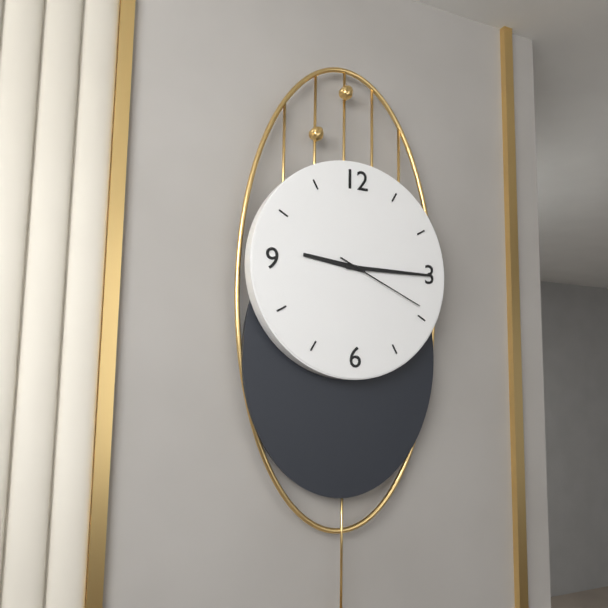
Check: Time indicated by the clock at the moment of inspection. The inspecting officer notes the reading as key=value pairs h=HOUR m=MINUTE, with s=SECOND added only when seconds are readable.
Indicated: h=9 m=15 s=19
